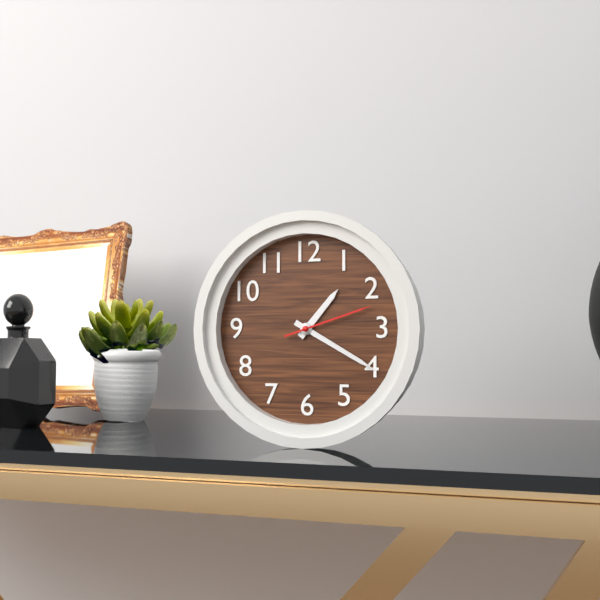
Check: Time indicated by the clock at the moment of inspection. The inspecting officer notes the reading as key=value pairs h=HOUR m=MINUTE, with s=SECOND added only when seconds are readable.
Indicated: h=1 m=20 s=12
